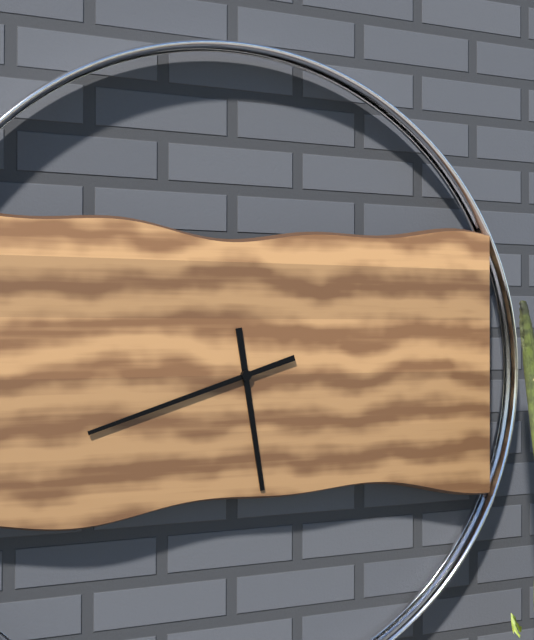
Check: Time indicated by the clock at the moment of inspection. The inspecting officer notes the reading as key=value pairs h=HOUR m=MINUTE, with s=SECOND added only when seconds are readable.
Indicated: h=5 m=42
